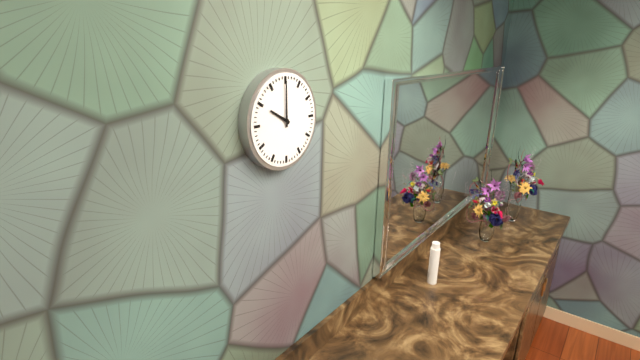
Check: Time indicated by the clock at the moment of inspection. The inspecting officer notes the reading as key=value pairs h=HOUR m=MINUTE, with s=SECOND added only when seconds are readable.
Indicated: h=10 m=0
